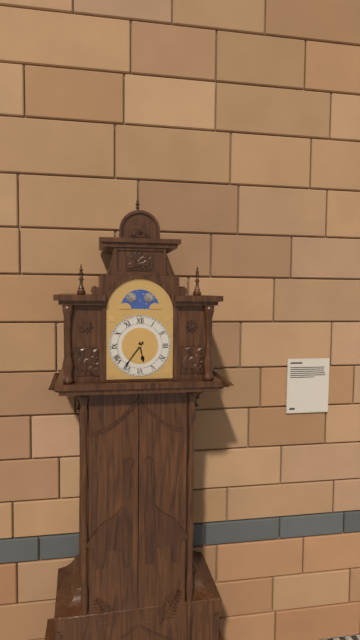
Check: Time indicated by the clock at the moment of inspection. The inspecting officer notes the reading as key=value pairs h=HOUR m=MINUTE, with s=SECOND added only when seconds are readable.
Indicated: h=5 m=36
